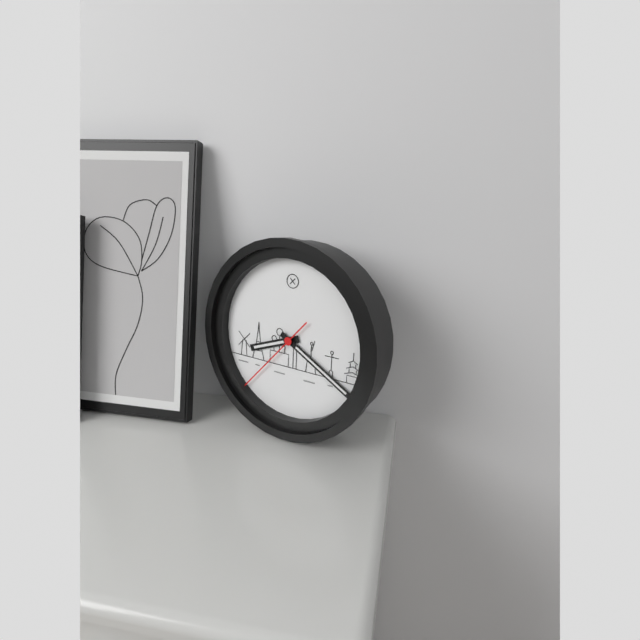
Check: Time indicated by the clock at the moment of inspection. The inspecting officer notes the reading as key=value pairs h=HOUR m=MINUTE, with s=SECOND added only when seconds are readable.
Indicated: h=8 m=20 s=37
